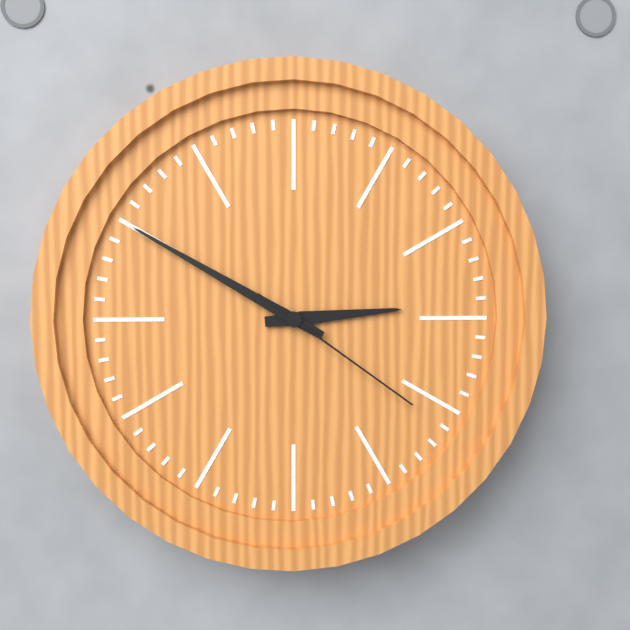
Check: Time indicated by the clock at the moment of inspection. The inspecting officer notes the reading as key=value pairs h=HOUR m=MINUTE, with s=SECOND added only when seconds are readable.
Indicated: h=2 m=50 s=21
